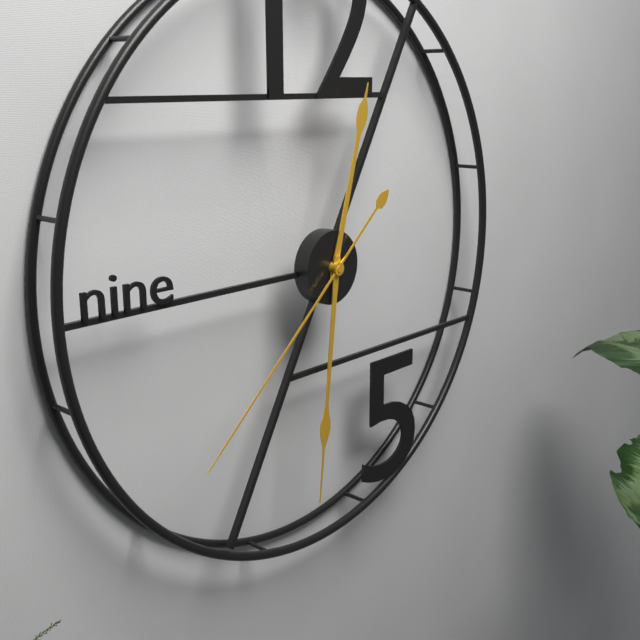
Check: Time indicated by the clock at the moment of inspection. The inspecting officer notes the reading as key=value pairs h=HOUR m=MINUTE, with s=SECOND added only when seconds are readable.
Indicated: h=12 m=31 s=38
